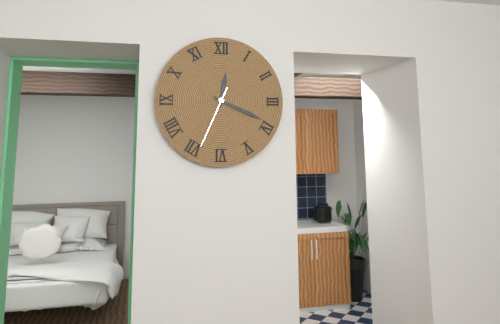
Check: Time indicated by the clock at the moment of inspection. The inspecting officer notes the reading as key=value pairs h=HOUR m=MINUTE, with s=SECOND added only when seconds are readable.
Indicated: h=12 m=19 s=34
